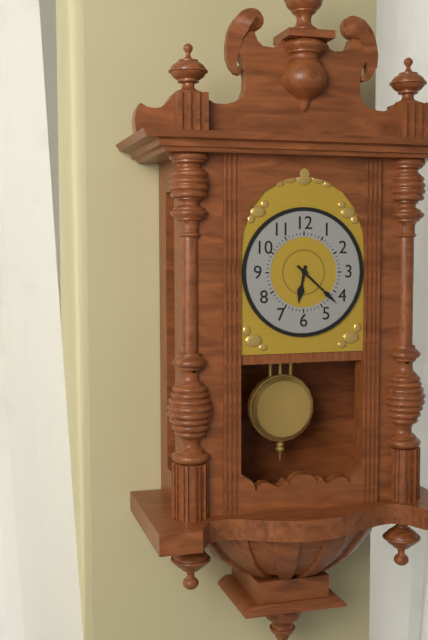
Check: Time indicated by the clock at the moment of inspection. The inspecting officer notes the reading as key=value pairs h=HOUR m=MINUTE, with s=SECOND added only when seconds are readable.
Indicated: h=6 m=22
